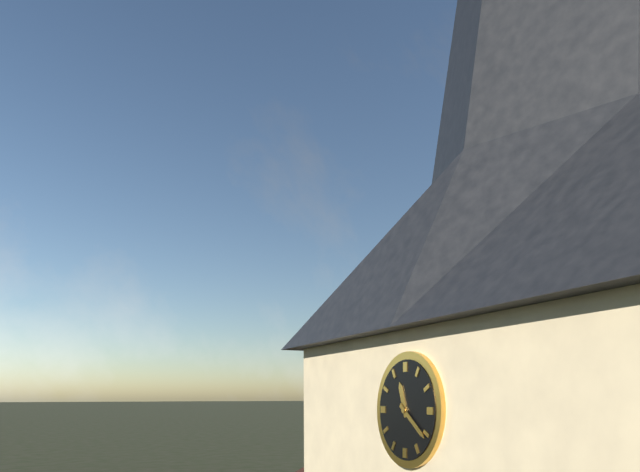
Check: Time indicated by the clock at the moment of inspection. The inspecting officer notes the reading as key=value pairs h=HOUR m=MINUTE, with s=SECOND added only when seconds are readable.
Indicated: h=11 m=21
